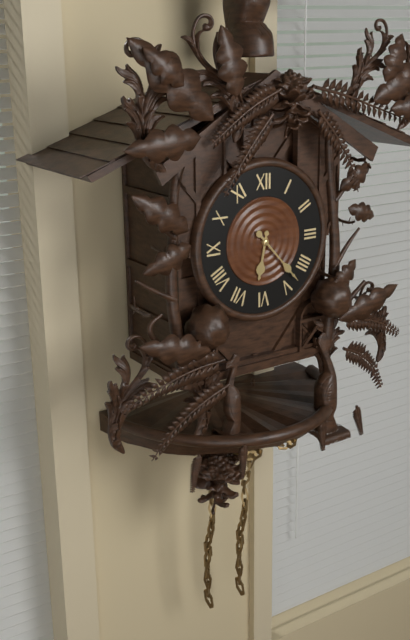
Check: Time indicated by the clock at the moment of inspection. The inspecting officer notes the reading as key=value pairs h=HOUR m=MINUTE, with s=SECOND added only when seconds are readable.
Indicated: h=6 m=23
